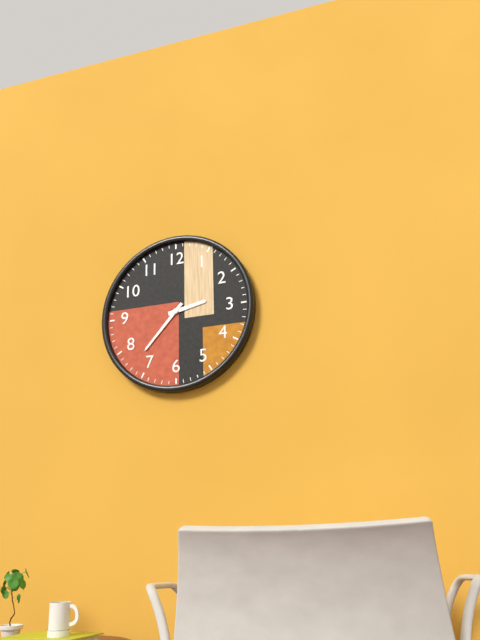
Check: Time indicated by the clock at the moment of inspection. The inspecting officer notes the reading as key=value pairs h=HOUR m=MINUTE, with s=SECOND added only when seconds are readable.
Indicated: h=2 m=37
